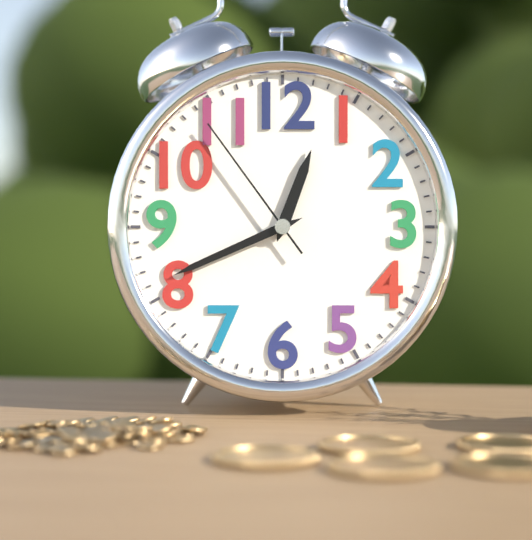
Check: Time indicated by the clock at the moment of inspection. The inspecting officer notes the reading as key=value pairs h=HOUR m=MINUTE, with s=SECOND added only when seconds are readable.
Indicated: h=12 m=41 s=54
